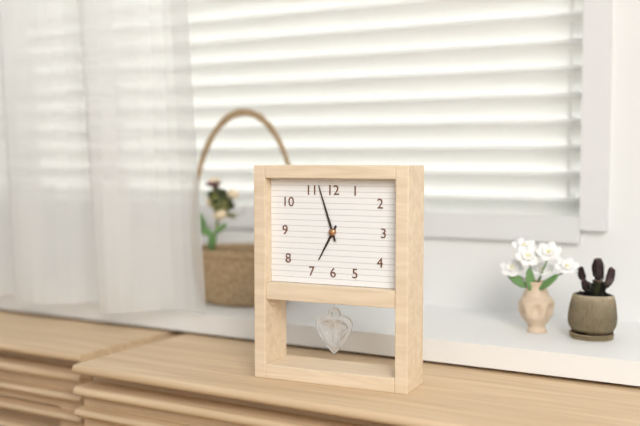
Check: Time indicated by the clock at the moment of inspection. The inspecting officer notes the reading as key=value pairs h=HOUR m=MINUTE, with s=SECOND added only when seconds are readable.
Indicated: h=6 m=57
